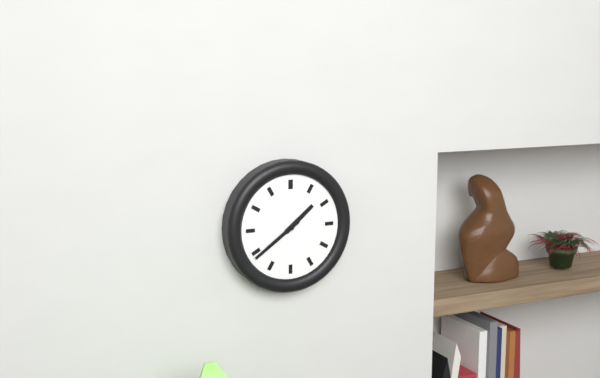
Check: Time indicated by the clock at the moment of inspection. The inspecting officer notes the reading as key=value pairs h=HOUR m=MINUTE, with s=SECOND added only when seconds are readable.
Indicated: h=1 m=39
